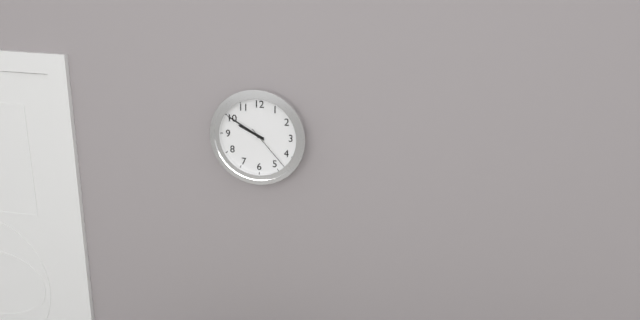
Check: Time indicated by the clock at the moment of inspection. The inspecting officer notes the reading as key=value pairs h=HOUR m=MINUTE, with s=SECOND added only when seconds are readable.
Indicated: h=9 m=50
